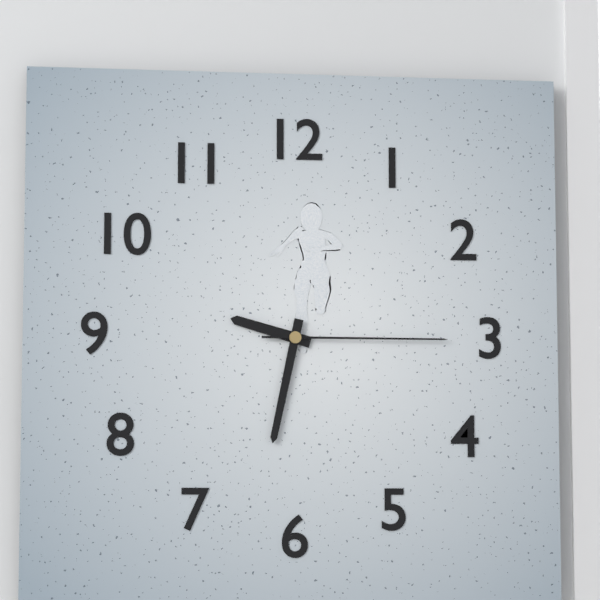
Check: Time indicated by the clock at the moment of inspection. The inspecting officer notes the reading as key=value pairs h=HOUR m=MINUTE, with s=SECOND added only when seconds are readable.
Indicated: h=9 m=32 s=15
